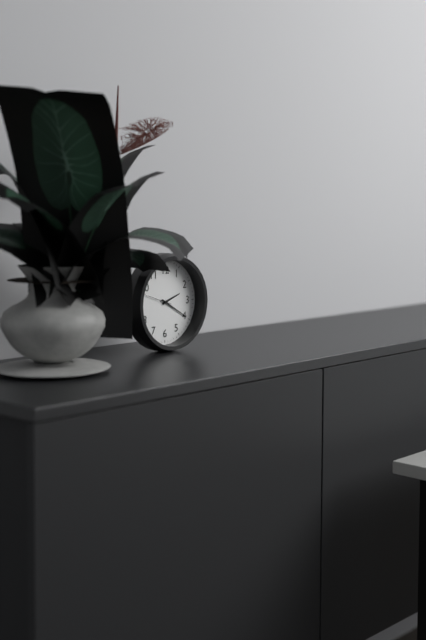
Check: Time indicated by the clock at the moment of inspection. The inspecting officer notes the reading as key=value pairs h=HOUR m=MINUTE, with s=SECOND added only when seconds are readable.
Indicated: h=2 m=20
